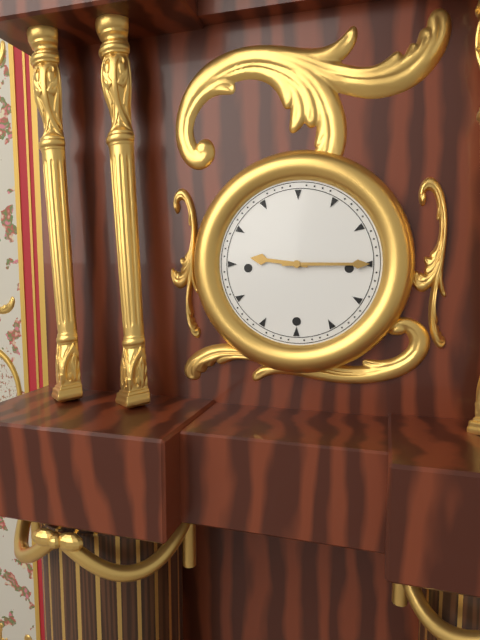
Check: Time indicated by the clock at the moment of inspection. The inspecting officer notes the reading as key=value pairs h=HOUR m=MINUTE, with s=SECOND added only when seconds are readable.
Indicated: h=9 m=15
